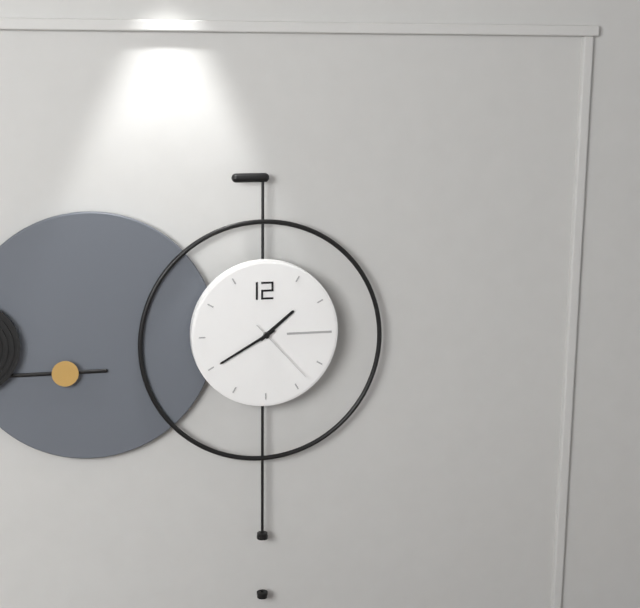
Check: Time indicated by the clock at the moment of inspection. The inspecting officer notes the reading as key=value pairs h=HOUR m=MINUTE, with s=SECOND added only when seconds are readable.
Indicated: h=1 m=40 s=23
